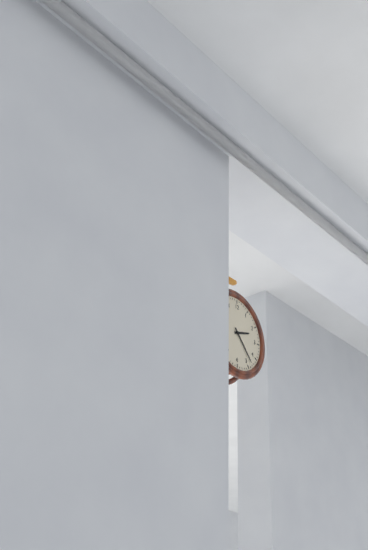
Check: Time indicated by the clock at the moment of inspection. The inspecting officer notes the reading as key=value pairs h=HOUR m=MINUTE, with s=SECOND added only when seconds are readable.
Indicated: h=2 m=23
